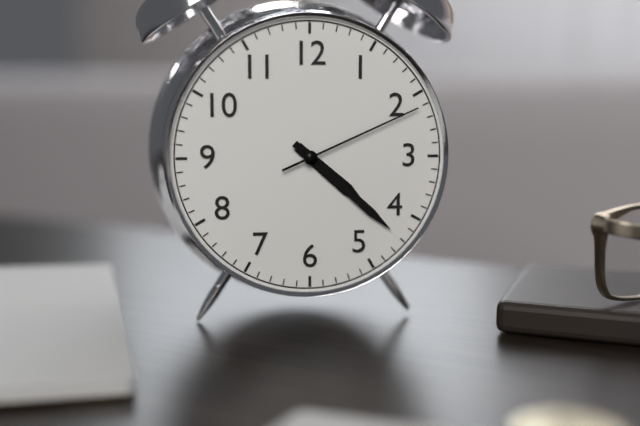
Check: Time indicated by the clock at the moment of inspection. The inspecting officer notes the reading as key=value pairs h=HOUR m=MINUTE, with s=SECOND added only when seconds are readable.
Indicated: h=4 m=22 s=11
